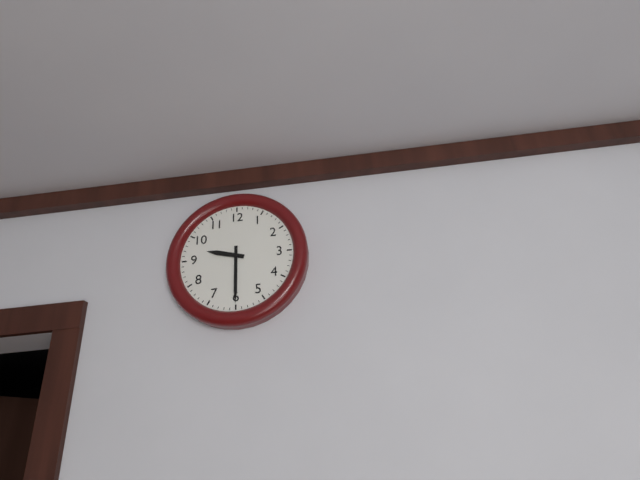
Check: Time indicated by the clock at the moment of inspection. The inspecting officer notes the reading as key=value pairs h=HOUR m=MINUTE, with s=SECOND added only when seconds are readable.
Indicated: h=9 m=30
